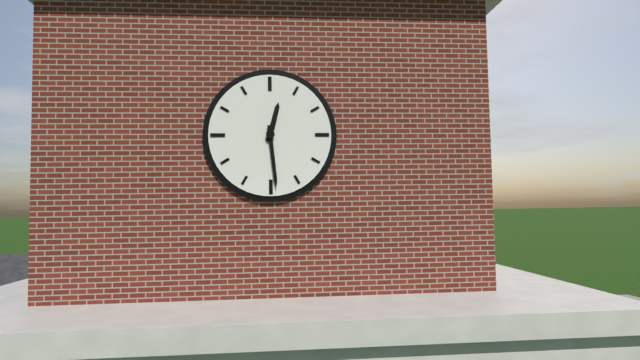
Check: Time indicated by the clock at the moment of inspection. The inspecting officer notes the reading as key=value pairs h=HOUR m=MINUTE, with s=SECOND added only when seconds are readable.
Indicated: h=12 m=29
